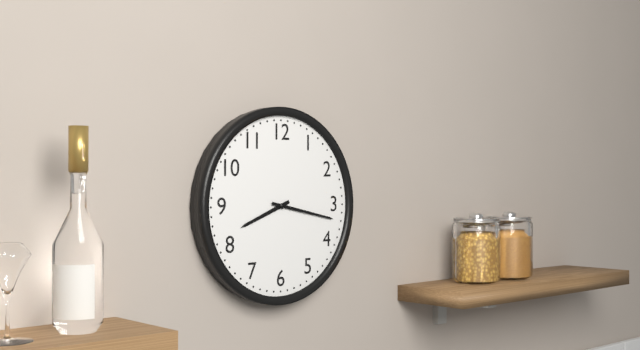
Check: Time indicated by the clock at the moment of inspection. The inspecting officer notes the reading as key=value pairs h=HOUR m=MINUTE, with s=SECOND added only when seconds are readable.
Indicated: h=8 m=17
